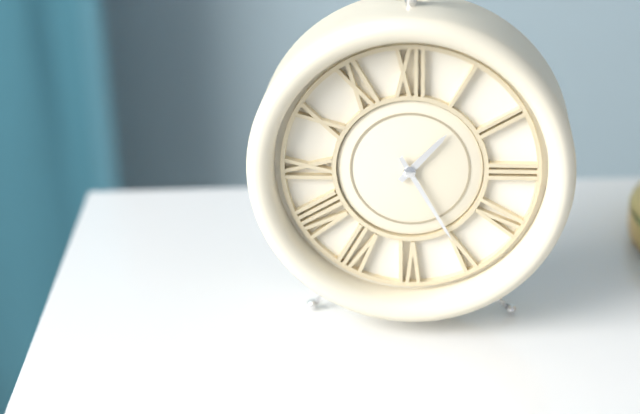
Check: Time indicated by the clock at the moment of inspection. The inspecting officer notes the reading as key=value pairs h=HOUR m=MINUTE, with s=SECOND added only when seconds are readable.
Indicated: h=1 m=25
